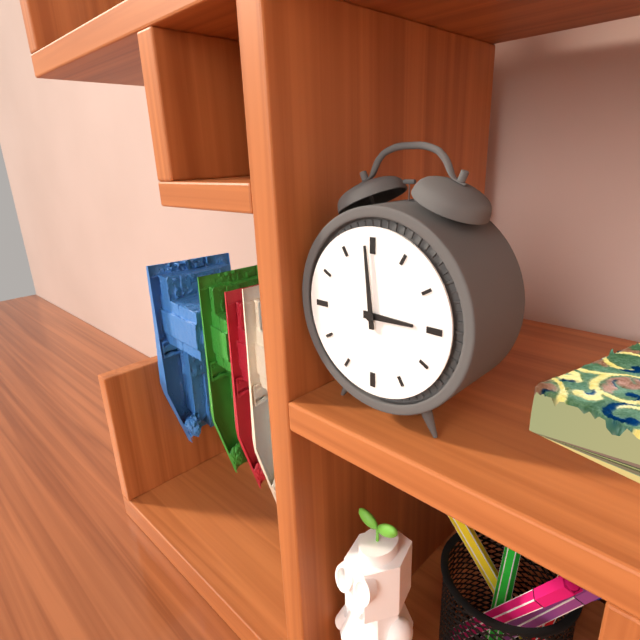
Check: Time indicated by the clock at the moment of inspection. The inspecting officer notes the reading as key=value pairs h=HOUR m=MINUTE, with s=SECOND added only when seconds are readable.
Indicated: h=2 m=59
